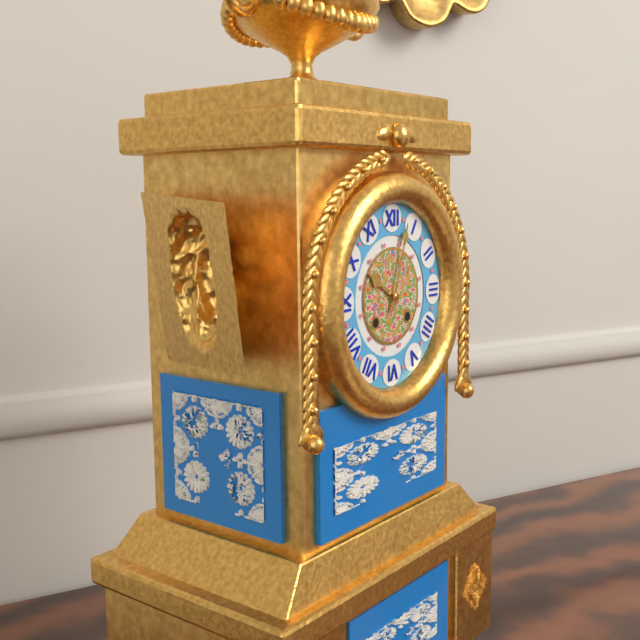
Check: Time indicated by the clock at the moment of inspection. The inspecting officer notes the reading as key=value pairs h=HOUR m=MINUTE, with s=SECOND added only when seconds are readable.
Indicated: h=10 m=3
